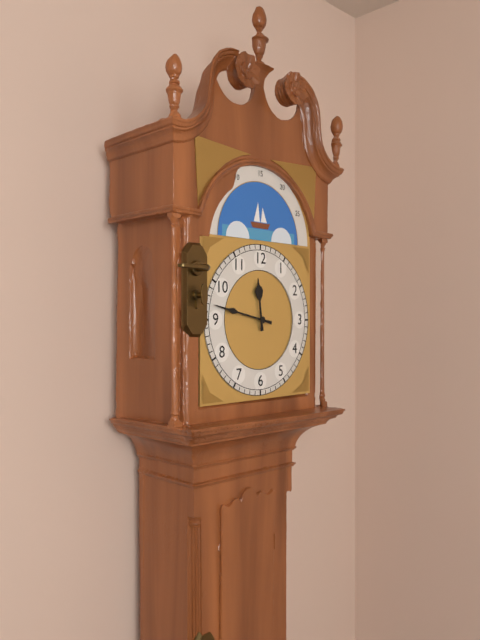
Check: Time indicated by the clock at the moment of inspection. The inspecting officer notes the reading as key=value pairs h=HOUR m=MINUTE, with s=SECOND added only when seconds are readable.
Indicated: h=11 m=47
